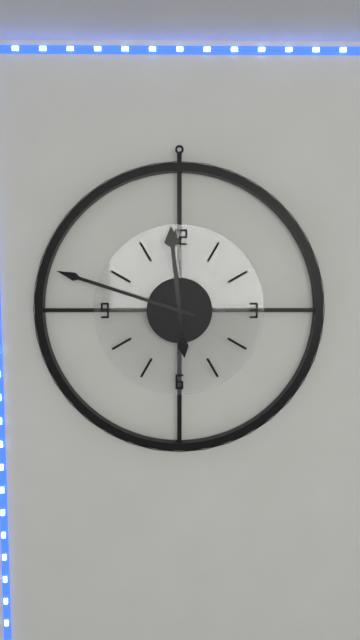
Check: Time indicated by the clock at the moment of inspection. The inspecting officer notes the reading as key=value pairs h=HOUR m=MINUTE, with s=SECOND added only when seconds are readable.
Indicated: h=11 m=48
